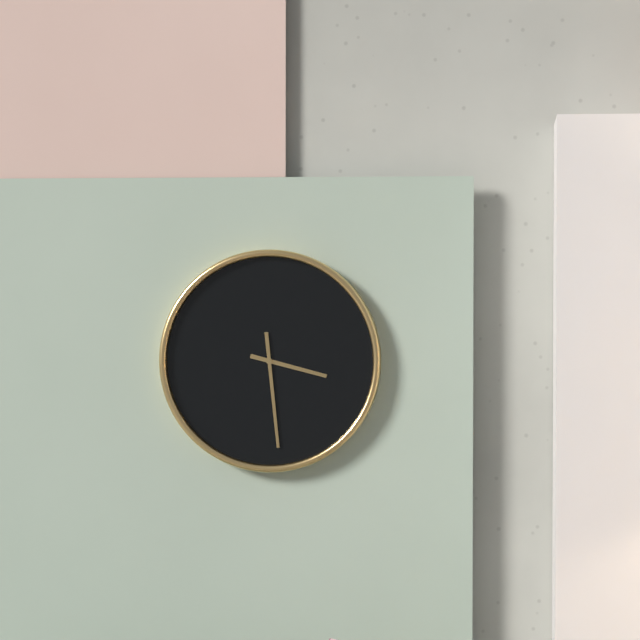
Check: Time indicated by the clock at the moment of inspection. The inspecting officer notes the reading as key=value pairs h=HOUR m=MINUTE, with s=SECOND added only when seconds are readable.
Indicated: h=3 m=29
